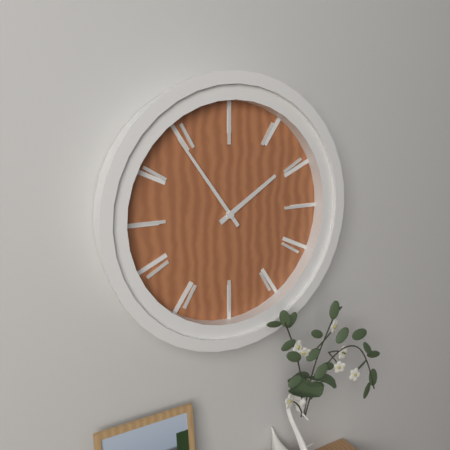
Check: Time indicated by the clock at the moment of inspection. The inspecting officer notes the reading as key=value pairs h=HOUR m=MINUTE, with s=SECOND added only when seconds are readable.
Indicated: h=1 m=54
